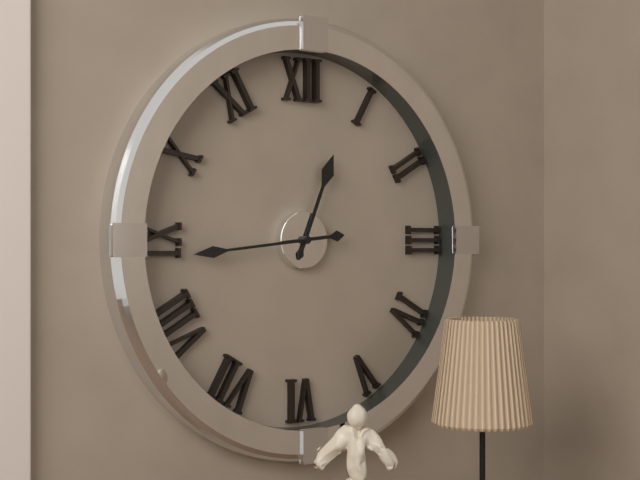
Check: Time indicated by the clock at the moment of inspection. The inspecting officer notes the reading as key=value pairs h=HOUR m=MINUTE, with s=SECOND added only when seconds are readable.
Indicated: h=12 m=44
